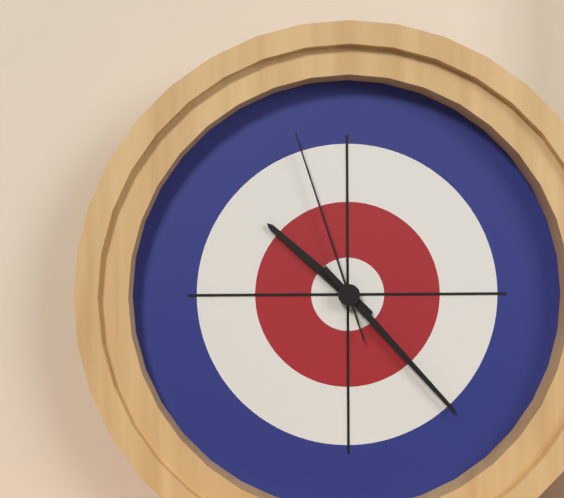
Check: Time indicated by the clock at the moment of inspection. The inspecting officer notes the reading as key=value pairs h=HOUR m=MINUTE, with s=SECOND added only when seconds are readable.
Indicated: h=10 m=23 s=57
